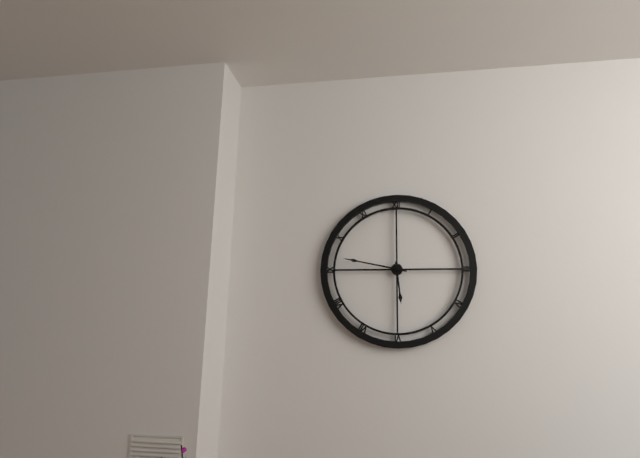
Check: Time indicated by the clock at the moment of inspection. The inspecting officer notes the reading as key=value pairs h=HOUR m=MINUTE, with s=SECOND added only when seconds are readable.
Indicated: h=5 m=47
